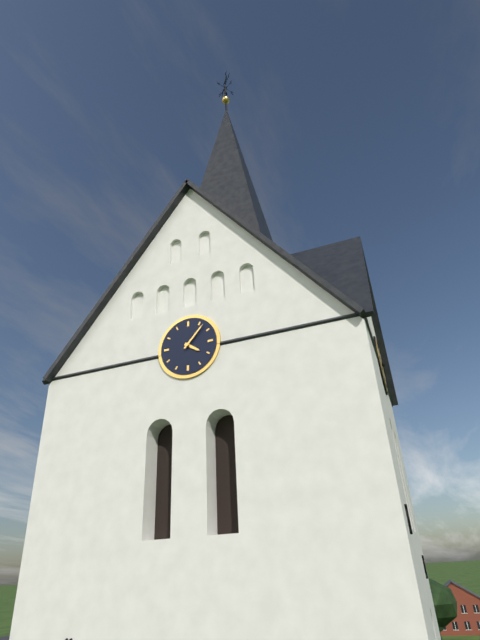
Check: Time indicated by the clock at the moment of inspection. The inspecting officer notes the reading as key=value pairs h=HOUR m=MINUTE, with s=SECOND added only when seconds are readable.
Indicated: h=4 m=7
